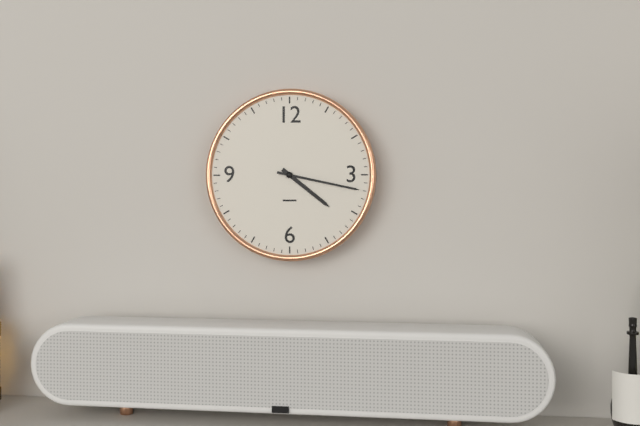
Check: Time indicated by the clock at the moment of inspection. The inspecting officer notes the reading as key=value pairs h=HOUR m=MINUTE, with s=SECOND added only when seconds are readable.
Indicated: h=4 m=17
